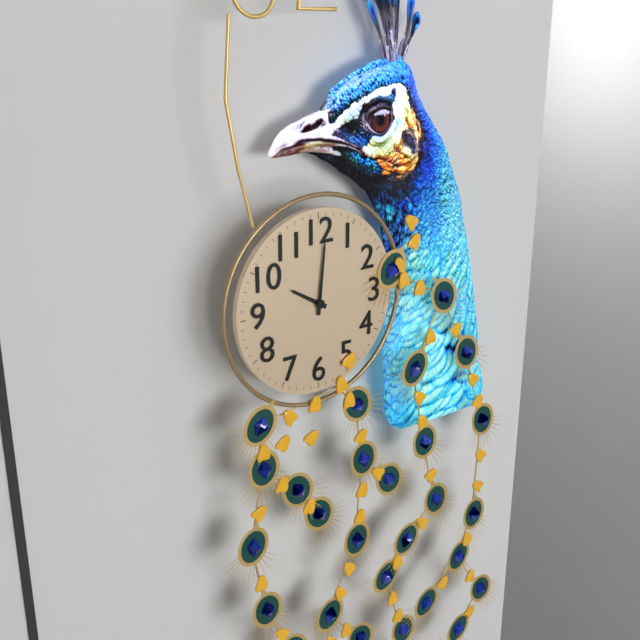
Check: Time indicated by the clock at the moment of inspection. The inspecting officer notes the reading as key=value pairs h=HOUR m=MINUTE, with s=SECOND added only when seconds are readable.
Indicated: h=10 m=1
